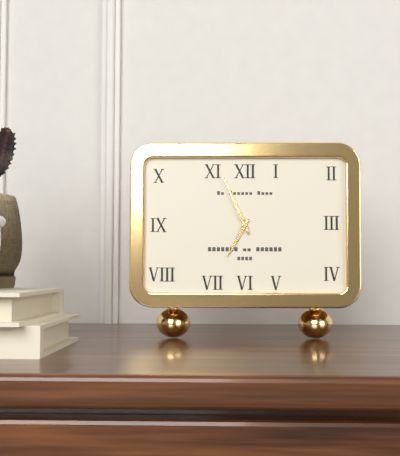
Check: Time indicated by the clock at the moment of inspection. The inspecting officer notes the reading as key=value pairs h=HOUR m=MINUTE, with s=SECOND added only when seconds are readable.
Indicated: h=6 m=56
